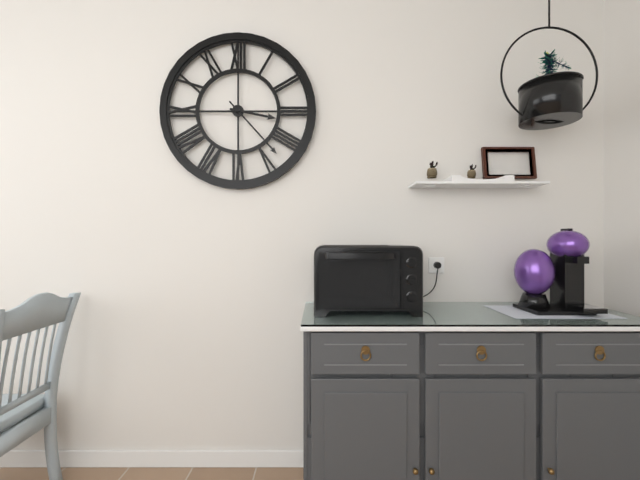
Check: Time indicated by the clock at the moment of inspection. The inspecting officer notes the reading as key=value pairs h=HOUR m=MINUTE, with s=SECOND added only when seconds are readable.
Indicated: h=3 m=23
